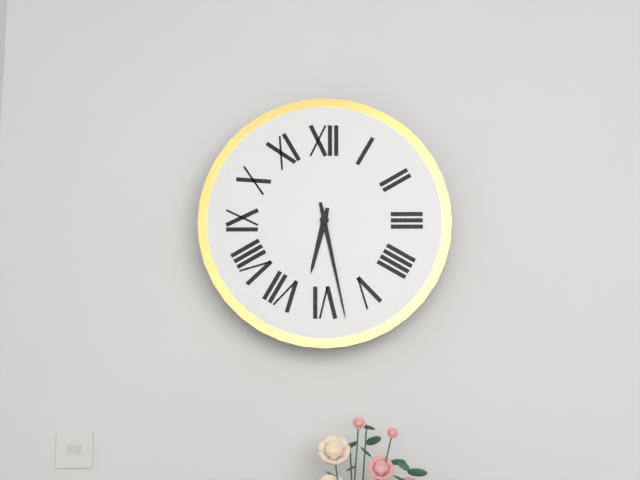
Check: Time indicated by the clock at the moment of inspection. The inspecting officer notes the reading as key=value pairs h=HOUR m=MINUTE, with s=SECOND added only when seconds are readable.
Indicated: h=6 m=28
